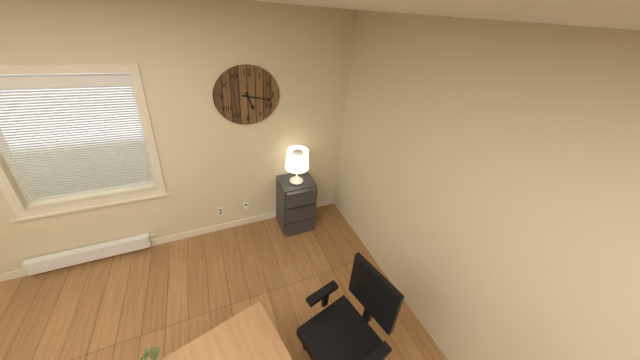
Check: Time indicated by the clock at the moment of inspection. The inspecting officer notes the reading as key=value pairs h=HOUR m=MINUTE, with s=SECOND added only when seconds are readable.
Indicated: h=5 m=17
